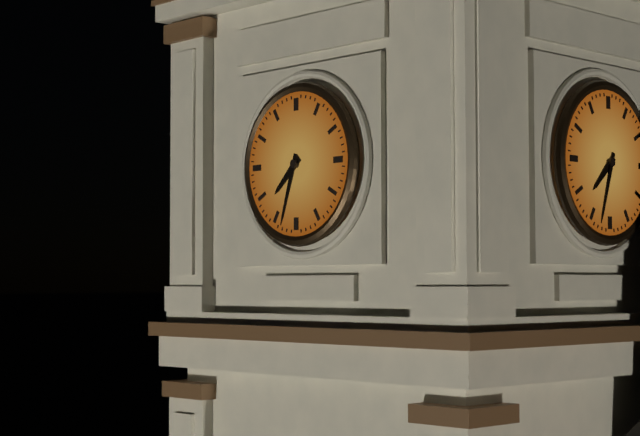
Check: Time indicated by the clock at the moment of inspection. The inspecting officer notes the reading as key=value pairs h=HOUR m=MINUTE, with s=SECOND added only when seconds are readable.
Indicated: h=7 m=33
